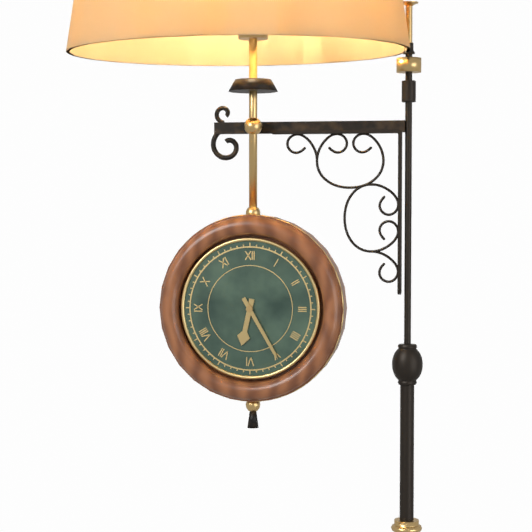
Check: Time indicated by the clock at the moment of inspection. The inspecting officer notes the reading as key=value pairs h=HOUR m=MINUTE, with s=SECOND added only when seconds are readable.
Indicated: h=6 m=25
